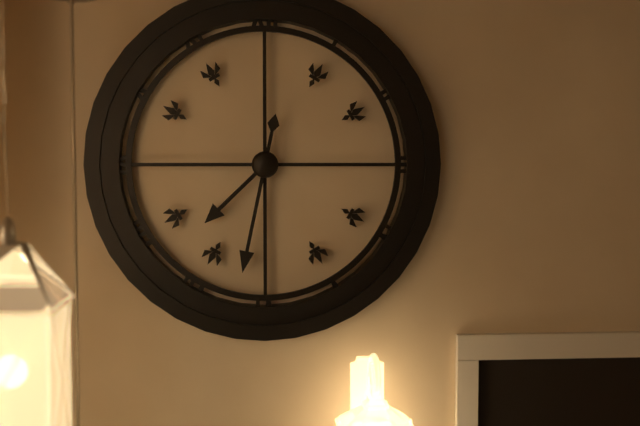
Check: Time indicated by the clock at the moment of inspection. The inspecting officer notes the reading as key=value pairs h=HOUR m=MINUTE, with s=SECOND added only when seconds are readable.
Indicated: h=7 m=32
